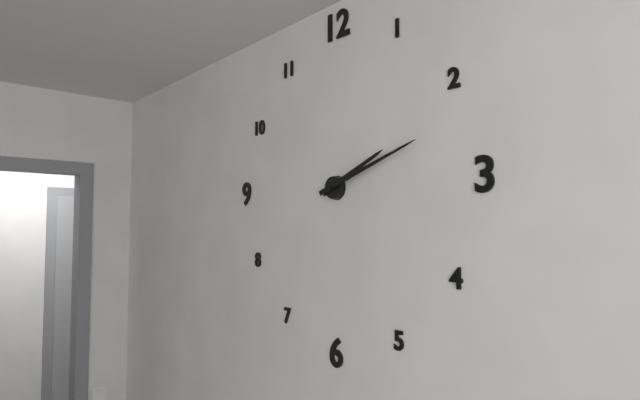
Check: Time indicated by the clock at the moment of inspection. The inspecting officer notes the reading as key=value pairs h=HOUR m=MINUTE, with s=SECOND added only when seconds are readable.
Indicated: h=2 m=12
